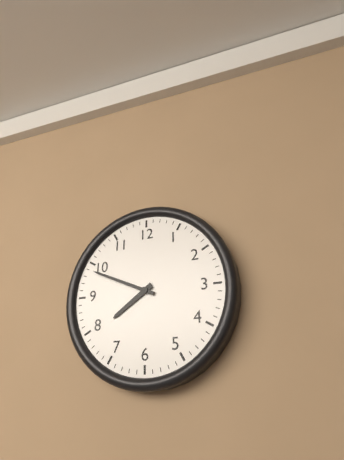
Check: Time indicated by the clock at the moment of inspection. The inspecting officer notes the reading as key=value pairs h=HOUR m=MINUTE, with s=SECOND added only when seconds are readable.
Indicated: h=7 m=49
